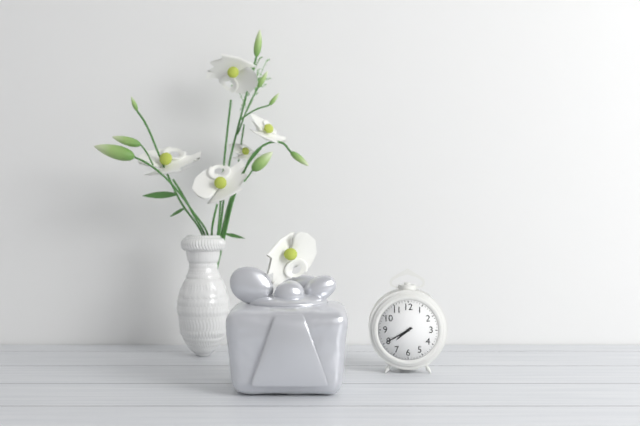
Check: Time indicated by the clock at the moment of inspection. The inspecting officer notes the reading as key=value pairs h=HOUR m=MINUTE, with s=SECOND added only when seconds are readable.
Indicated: h=7 m=40
